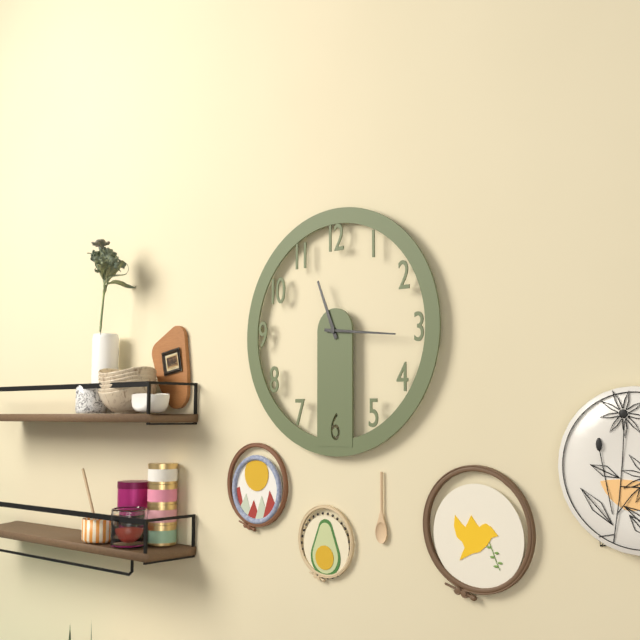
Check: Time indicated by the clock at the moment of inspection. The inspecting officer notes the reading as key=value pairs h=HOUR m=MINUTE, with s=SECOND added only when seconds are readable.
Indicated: h=11 m=16
